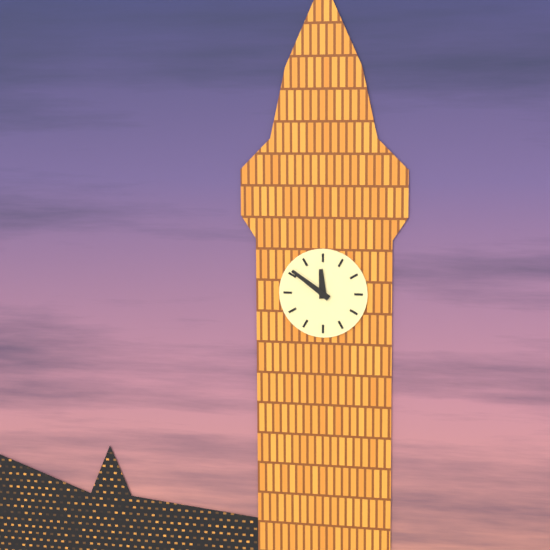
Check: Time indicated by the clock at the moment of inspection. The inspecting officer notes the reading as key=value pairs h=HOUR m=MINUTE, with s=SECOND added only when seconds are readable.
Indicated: h=11 m=51
